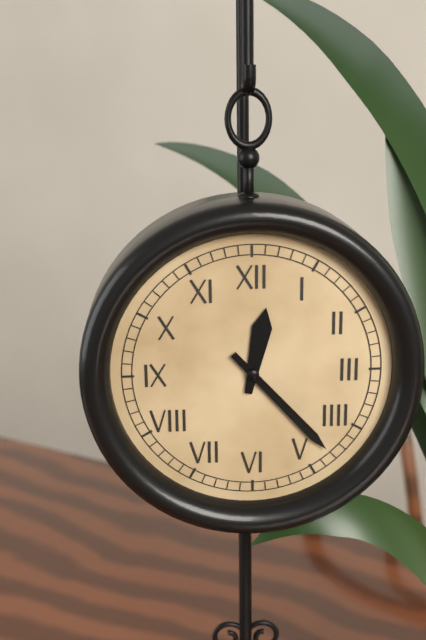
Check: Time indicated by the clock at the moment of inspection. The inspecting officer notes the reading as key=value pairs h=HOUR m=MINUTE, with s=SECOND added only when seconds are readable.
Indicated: h=12 m=23
